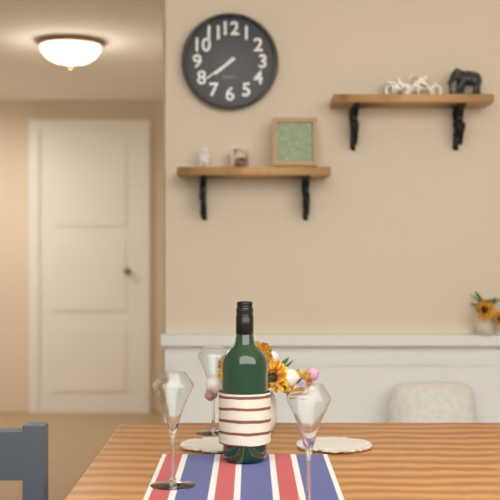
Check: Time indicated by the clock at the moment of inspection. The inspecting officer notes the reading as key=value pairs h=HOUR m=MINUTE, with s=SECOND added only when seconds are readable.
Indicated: h=7 m=39
